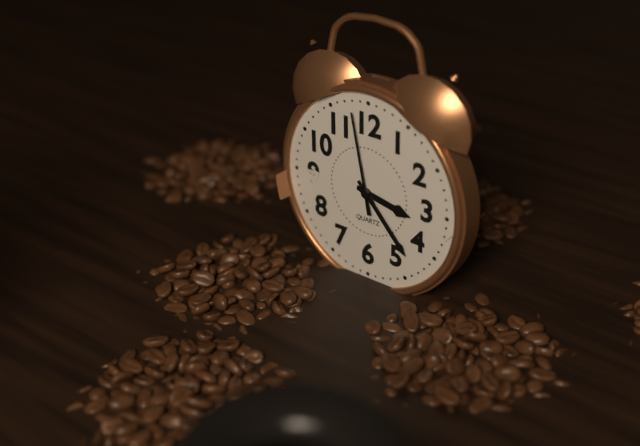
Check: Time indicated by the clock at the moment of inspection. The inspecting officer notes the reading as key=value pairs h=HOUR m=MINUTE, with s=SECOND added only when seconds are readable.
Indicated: h=3 m=23 s=58
